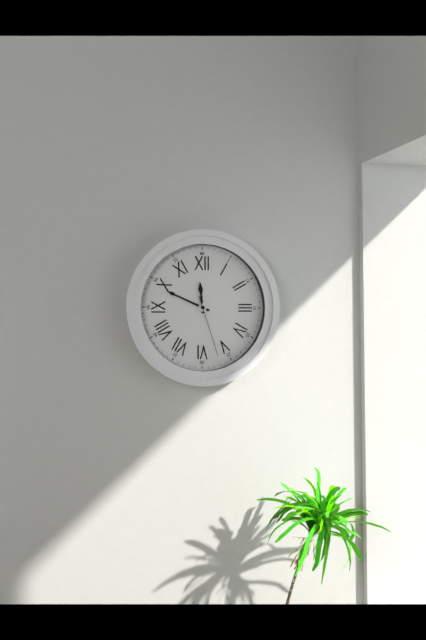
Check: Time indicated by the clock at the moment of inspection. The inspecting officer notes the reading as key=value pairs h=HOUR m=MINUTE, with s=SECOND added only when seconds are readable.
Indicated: h=11 m=49 s=27
